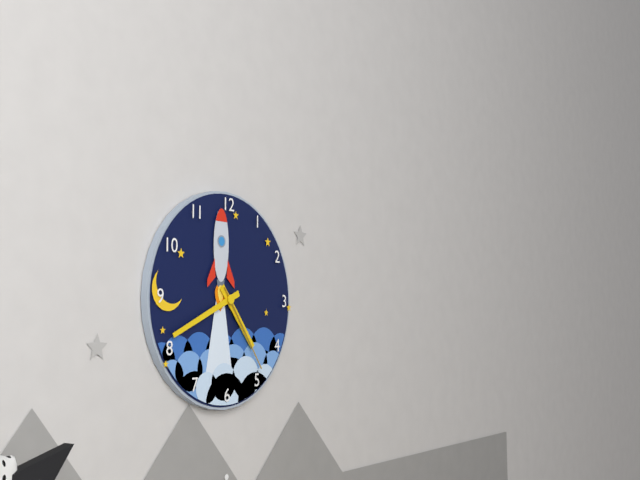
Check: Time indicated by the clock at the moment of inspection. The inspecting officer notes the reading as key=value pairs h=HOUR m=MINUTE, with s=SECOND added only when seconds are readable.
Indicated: h=4 m=41 s=24
